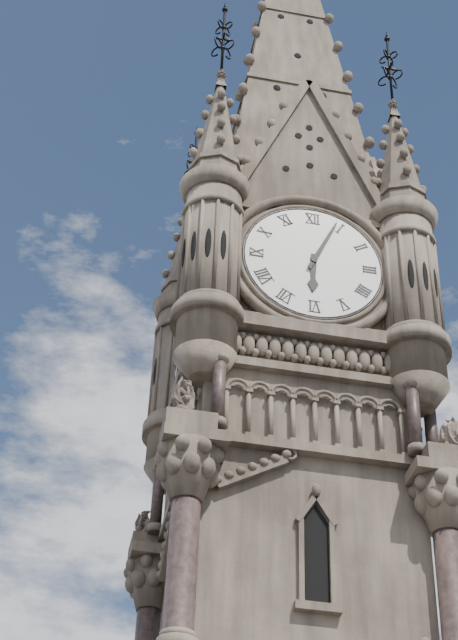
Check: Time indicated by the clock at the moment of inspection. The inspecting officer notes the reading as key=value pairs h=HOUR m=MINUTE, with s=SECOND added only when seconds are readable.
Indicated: h=6 m=4
